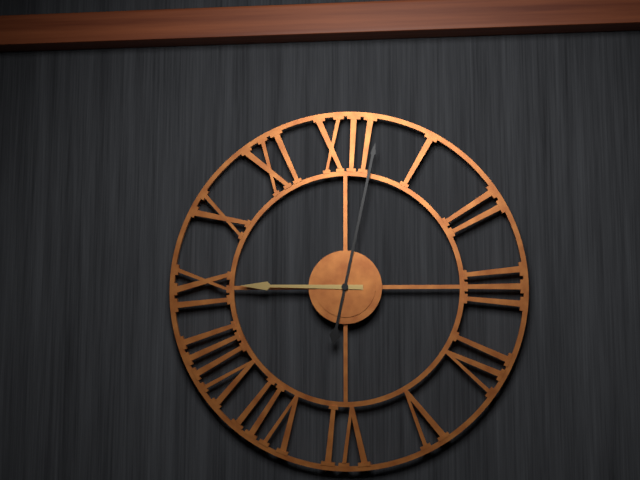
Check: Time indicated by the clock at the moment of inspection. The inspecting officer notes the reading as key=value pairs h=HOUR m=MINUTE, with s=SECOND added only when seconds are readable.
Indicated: h=9 m=2
